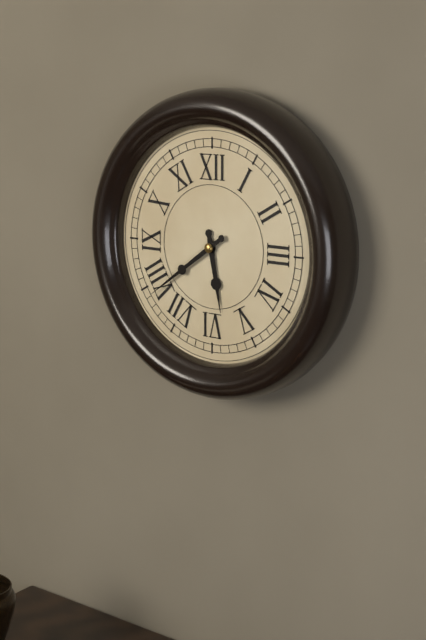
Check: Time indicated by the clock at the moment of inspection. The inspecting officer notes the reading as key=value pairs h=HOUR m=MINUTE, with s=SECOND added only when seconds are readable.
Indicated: h=5 m=39
